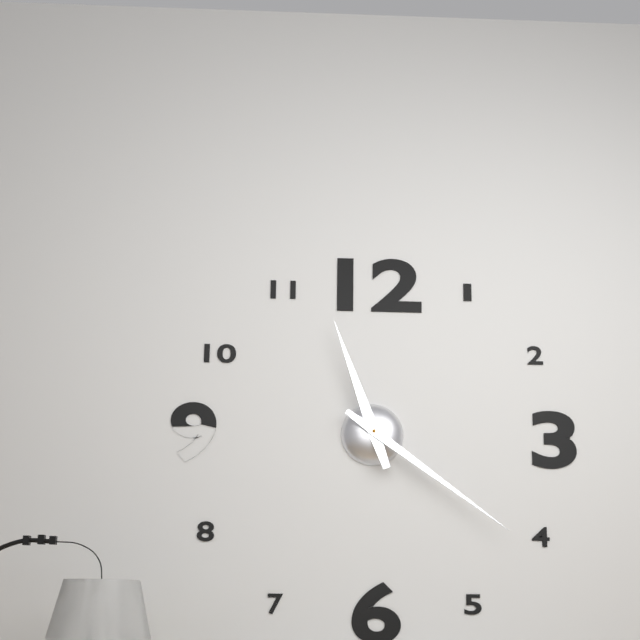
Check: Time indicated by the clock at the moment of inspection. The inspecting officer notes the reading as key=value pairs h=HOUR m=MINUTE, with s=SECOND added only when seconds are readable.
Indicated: h=11 m=21
